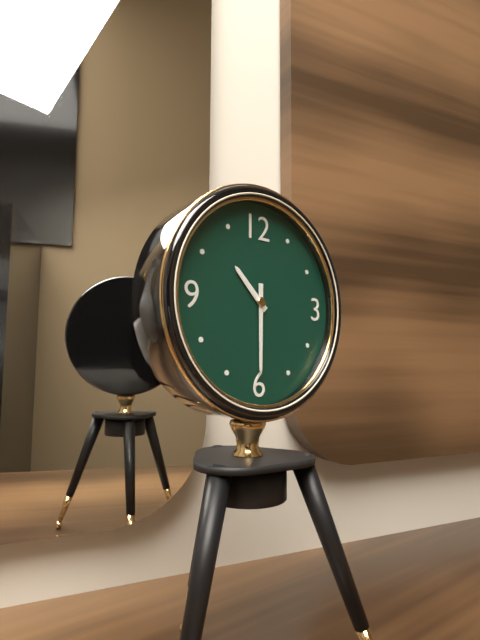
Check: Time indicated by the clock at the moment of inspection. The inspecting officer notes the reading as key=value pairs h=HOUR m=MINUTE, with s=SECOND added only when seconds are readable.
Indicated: h=10 m=30
